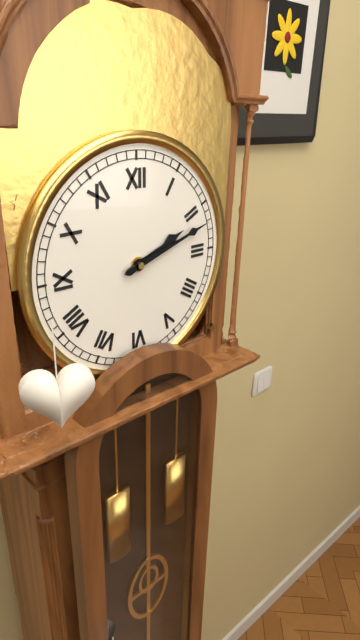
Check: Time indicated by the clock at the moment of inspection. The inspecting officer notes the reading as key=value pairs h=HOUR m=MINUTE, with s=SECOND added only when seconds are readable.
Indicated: h=2 m=12
